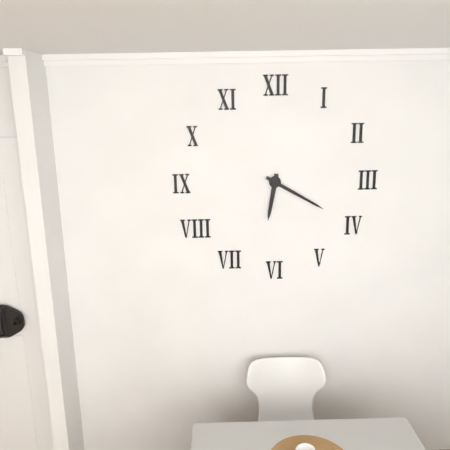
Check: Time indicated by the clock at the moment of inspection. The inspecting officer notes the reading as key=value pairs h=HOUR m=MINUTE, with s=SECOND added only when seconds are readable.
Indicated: h=6 m=20
